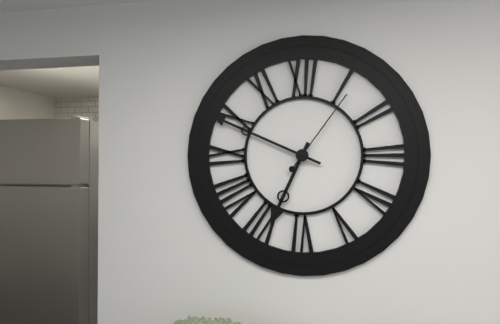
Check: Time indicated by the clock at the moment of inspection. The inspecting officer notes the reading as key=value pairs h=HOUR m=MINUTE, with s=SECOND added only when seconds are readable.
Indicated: h=6 m=49 s=6
